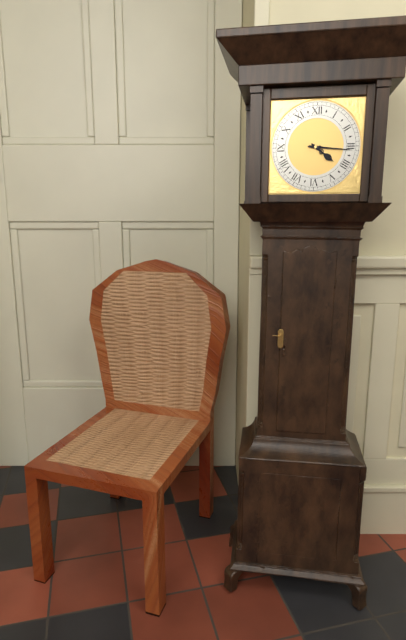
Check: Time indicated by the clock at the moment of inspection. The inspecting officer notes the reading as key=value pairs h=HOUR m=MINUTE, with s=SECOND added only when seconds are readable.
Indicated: h=4 m=16
